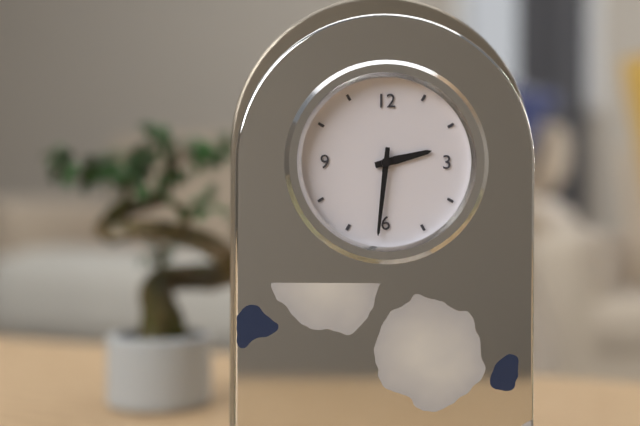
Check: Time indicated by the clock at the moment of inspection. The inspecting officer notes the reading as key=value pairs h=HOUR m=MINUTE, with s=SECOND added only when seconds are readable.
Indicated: h=2 m=31
